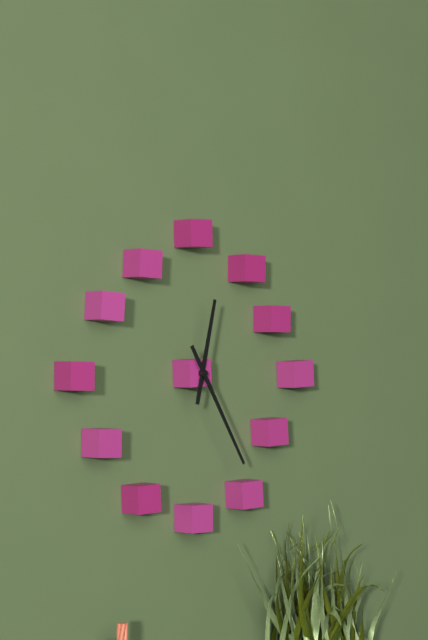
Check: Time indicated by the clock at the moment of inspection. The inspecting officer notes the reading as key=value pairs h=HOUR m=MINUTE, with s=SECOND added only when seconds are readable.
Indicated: h=12 m=25
